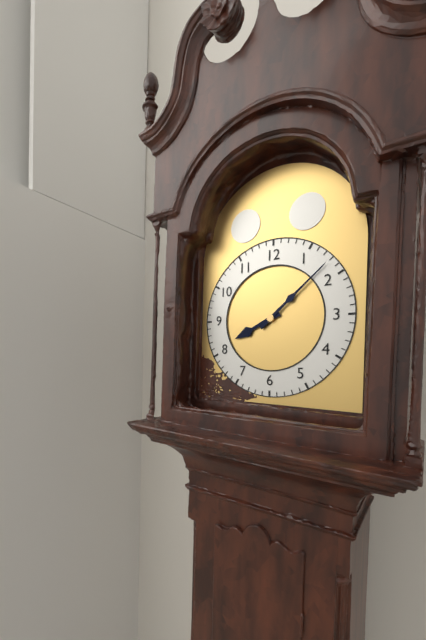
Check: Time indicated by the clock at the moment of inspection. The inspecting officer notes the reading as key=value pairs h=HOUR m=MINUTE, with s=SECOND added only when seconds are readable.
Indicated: h=8 m=8
